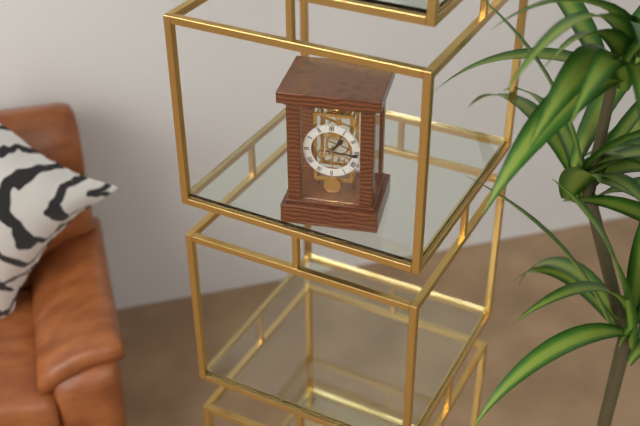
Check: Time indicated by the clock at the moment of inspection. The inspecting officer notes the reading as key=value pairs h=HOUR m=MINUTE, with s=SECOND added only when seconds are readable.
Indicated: h=1 m=16
